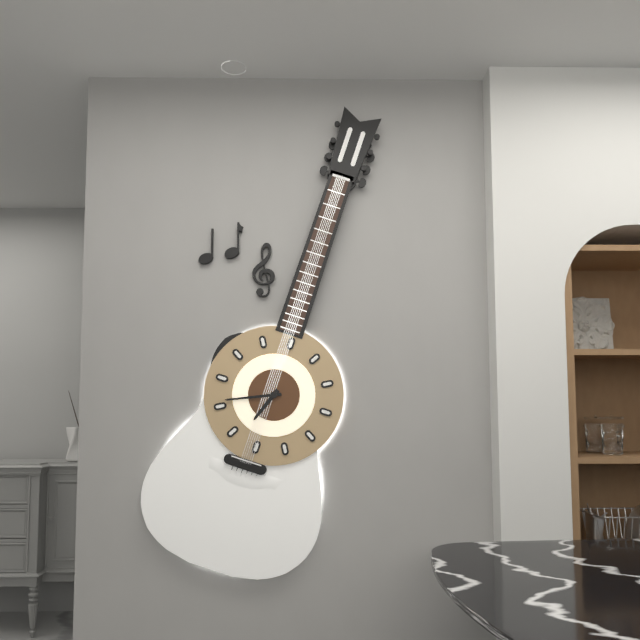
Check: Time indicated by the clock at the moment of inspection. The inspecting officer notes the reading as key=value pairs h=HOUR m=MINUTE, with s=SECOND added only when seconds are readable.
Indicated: h=6 m=41
